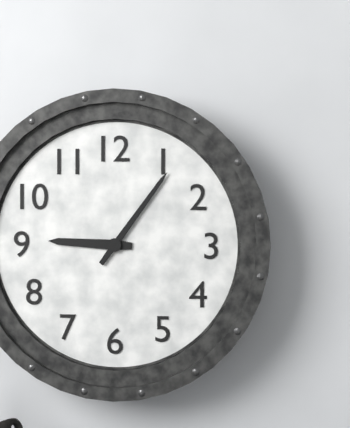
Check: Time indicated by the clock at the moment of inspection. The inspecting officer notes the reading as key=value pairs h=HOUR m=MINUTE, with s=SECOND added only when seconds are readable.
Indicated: h=9 m=6
